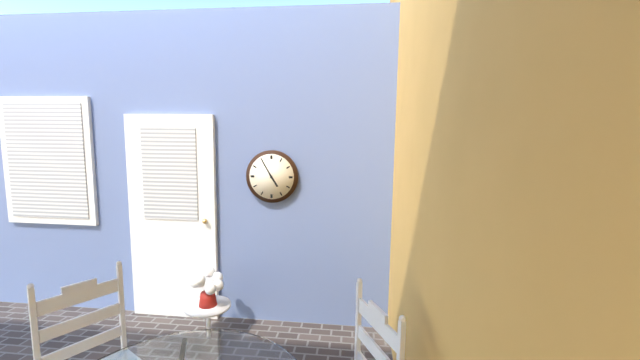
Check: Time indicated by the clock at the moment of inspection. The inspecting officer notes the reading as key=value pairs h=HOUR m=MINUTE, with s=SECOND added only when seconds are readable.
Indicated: h=4 m=55
